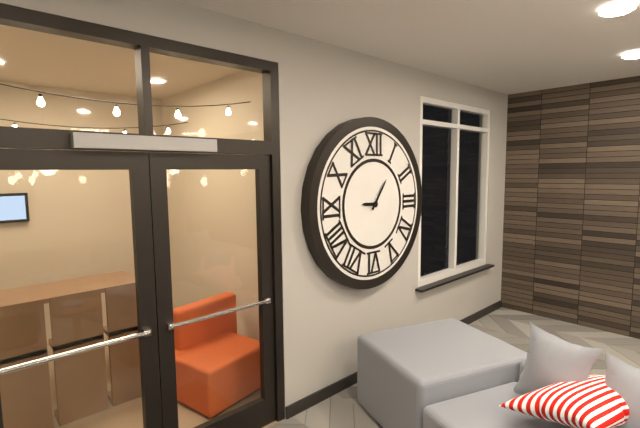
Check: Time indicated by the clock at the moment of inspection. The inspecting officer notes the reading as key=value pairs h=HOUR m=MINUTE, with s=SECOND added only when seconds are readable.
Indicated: h=9 m=6
